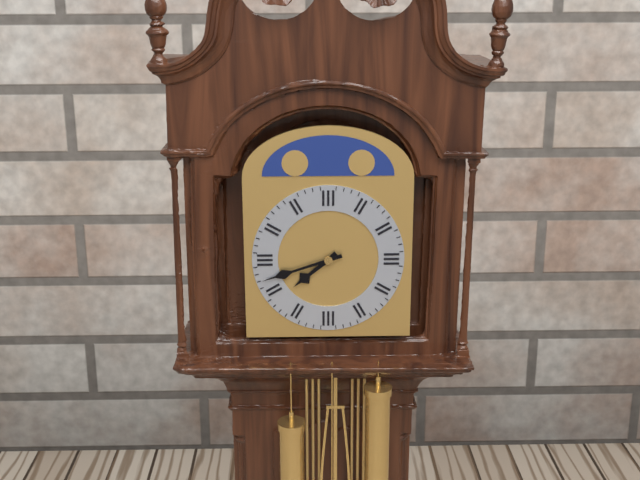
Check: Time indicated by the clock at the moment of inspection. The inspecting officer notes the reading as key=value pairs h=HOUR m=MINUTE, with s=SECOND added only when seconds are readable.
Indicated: h=7 m=42
